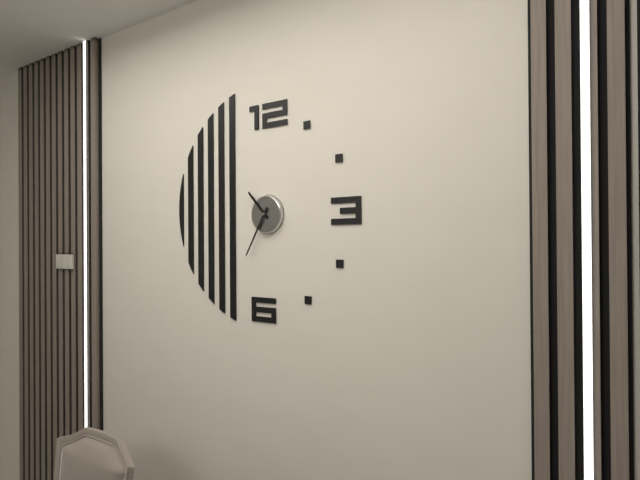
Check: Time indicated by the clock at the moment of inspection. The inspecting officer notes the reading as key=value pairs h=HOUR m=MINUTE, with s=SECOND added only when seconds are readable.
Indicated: h=10 m=35
